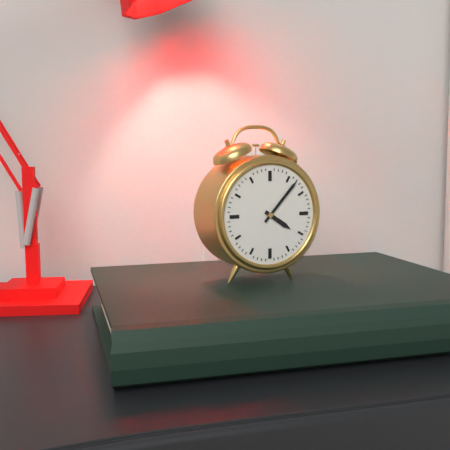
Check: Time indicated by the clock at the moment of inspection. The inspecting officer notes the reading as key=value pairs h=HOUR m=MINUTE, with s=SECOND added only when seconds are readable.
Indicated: h=4 m=7
